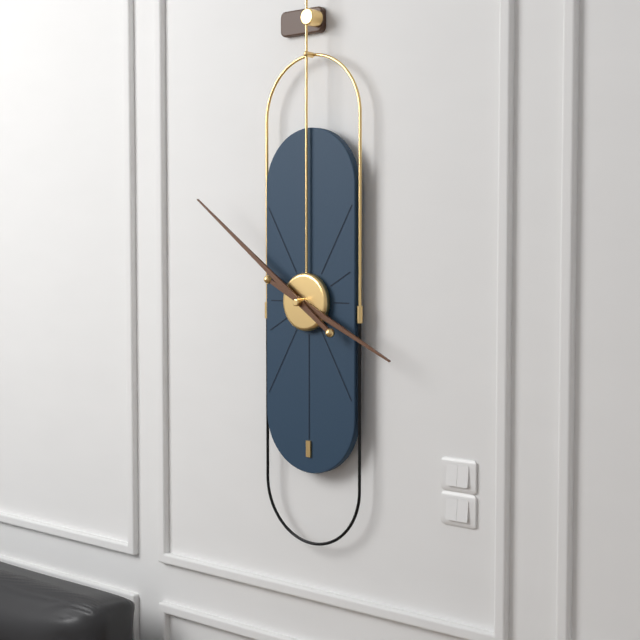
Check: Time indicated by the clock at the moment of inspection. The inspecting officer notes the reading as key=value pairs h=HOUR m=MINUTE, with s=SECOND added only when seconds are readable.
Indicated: h=3 m=51
